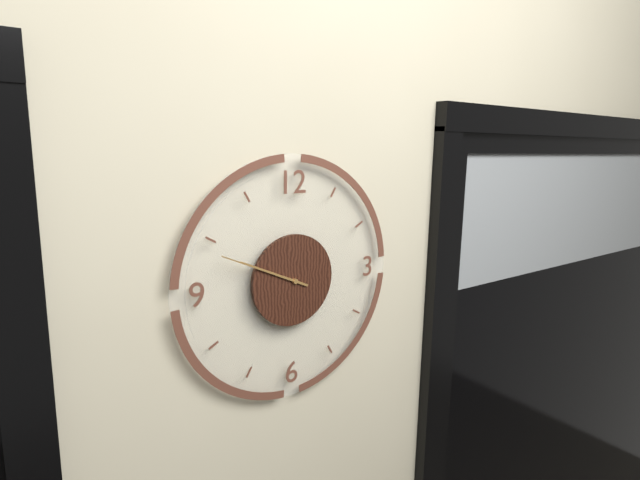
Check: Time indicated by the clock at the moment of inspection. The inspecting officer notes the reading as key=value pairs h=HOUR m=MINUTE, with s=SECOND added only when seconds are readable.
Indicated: h=9 m=49
